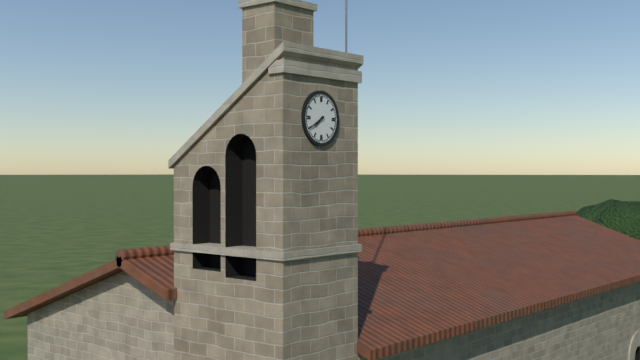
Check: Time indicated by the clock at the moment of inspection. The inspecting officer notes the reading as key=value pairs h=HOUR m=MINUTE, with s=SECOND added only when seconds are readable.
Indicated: h=7 m=40
